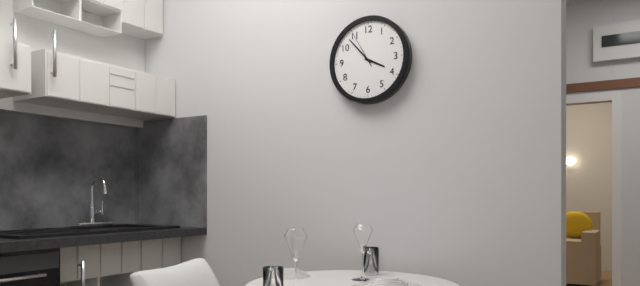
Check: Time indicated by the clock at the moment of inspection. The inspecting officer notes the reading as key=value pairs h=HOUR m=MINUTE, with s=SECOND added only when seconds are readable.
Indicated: h=3 m=53
